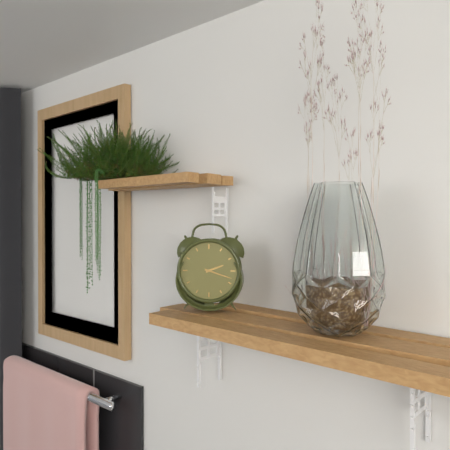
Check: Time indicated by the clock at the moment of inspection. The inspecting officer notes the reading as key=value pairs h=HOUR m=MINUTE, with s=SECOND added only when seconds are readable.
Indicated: h=2 m=18
